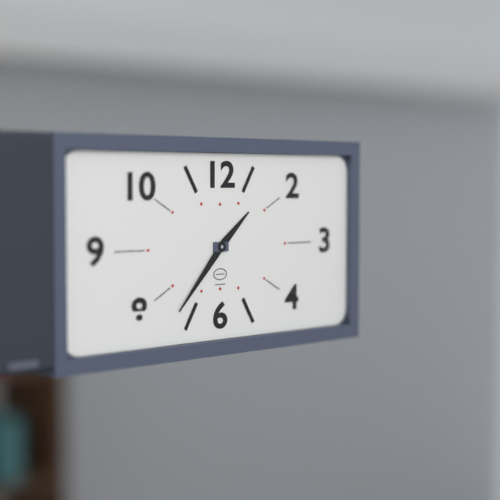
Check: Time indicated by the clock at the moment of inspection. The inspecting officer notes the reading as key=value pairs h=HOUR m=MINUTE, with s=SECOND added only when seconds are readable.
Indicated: h=1 m=37
